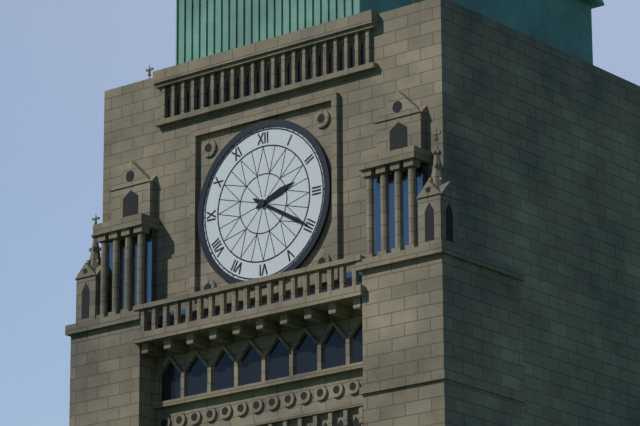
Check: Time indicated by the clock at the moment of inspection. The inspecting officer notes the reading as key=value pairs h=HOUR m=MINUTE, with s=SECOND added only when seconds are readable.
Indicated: h=2 m=20
